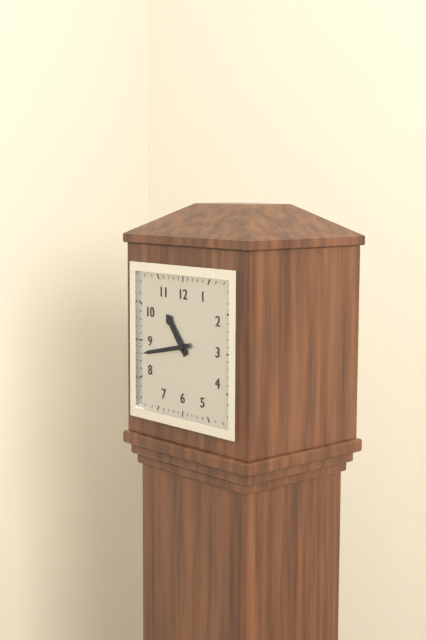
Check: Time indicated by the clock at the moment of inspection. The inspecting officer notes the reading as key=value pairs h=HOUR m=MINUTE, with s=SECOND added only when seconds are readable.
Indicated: h=10 m=43
